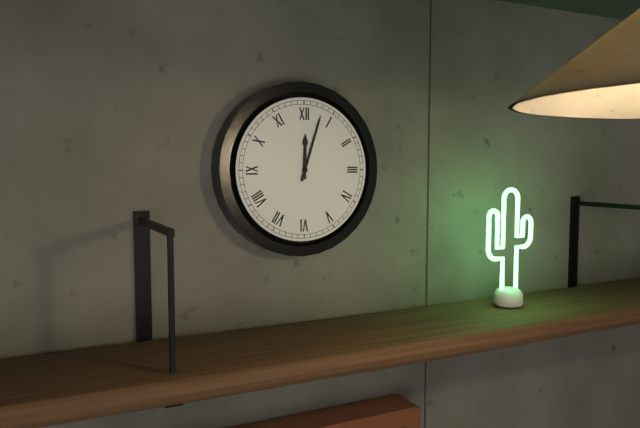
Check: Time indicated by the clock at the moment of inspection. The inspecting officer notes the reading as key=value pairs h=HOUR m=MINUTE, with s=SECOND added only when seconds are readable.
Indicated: h=12 m=3
